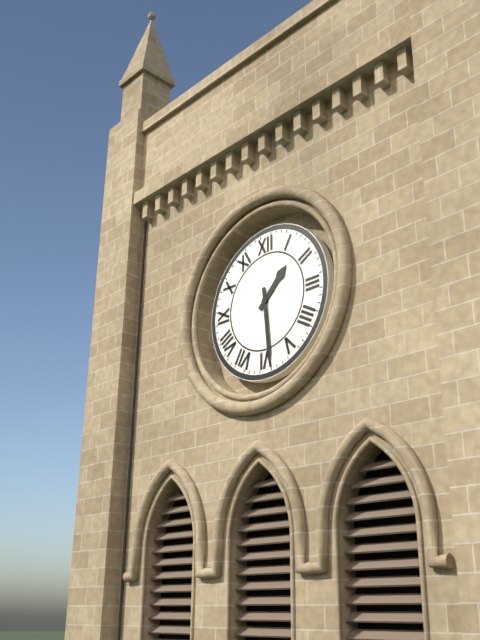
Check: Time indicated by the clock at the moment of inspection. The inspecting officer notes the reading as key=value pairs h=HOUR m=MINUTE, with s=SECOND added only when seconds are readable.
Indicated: h=1 m=29
